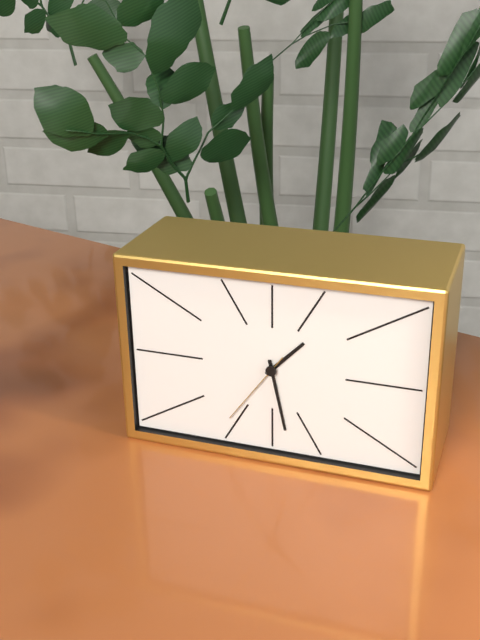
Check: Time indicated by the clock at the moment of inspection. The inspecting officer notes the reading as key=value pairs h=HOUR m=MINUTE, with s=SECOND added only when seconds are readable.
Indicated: h=1 m=28 s=36
